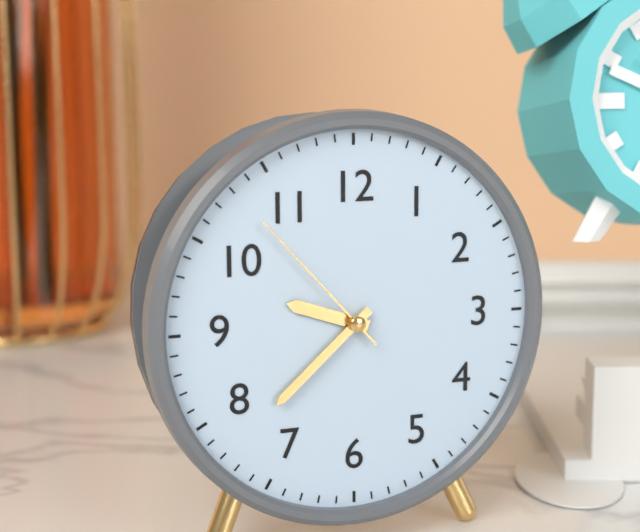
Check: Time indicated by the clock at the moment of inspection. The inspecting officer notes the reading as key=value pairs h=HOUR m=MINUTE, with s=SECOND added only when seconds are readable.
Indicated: h=9 m=38 s=53
